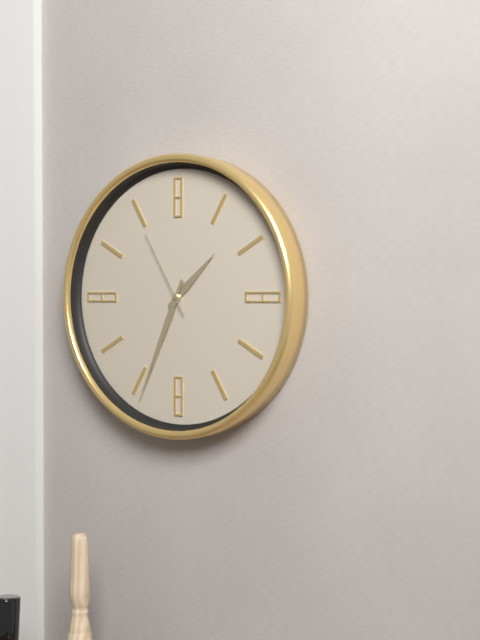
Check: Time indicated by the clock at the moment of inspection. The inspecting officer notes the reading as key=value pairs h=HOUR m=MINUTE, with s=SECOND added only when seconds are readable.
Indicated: h=1 m=34 s=55
